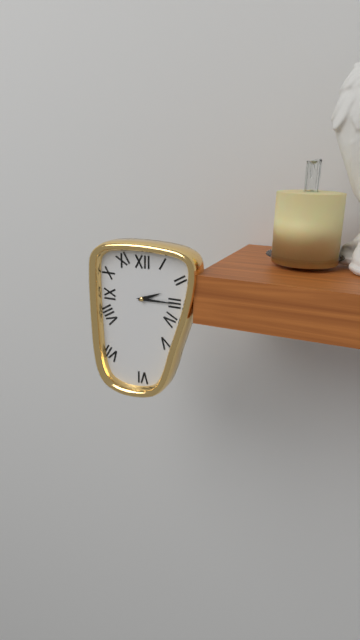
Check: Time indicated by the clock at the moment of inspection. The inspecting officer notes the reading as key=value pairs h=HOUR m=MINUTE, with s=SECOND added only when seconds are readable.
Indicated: h=2 m=15
